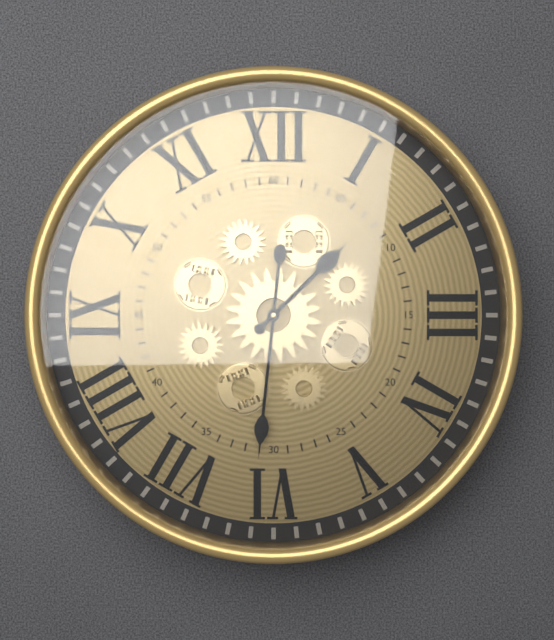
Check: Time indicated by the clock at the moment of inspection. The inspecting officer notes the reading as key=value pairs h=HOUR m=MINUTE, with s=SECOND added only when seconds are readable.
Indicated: h=1 m=31
